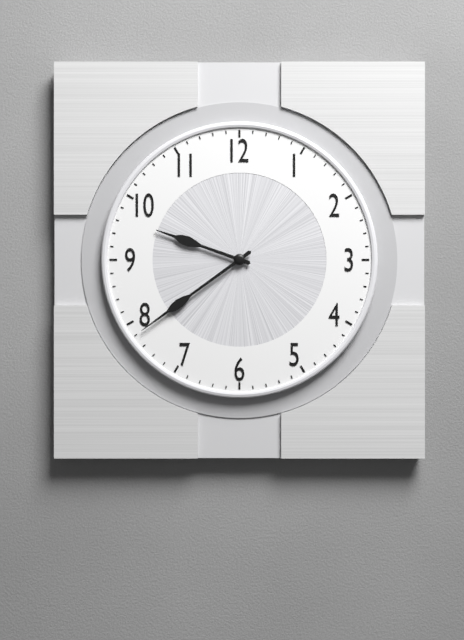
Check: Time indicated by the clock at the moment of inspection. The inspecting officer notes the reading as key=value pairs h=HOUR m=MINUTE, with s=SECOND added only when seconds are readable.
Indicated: h=9 m=39
